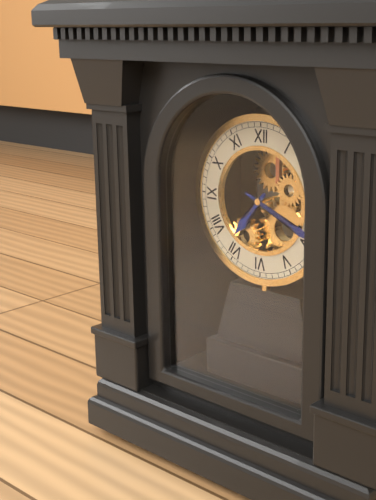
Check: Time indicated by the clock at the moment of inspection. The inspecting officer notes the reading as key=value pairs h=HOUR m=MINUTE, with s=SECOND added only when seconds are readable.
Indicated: h=7 m=19
